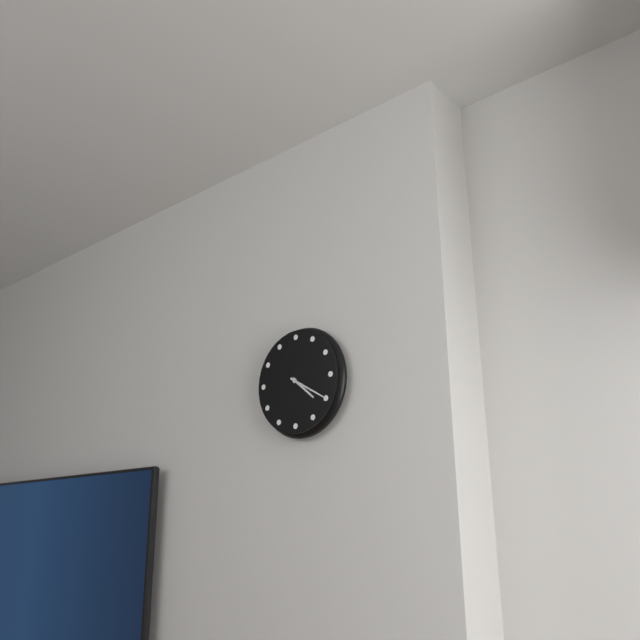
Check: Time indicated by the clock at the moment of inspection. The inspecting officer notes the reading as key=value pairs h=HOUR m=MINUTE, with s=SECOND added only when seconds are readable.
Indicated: h=4 m=20
